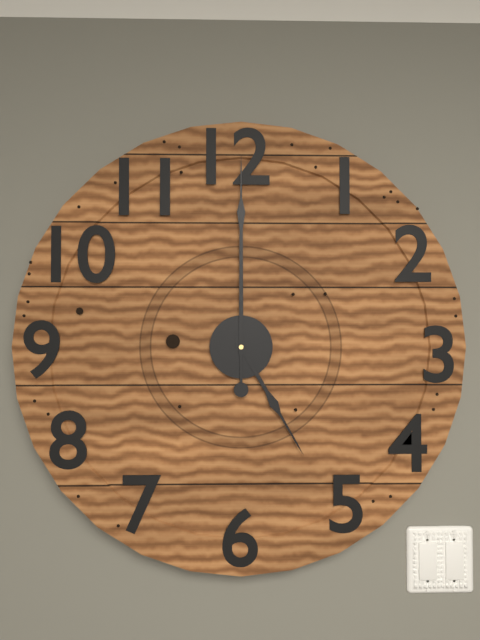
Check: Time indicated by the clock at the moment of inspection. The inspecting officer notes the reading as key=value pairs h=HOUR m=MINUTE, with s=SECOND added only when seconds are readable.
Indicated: h=5 m=0
